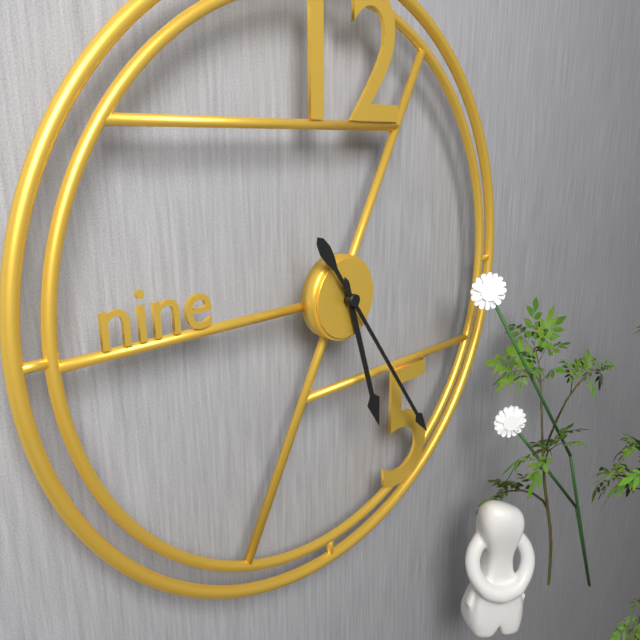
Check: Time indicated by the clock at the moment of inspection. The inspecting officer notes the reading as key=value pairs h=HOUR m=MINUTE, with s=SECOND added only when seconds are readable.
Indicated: h=5 m=24
